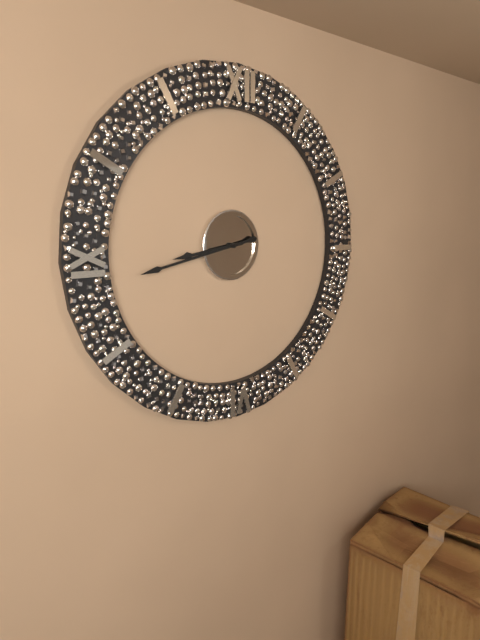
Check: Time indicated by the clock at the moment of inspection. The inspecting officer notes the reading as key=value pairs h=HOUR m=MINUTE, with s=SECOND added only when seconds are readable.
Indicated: h=8 m=43
